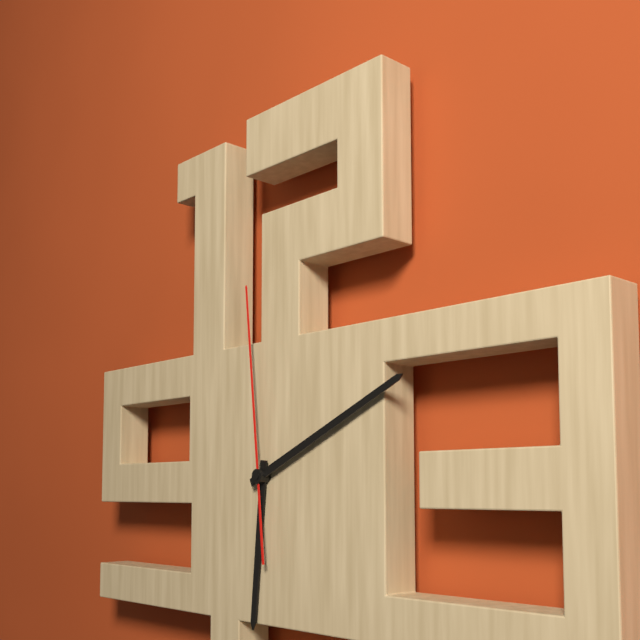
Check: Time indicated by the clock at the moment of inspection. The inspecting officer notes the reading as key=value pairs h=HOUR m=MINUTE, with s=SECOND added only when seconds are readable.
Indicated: h=6 m=11 s=59
